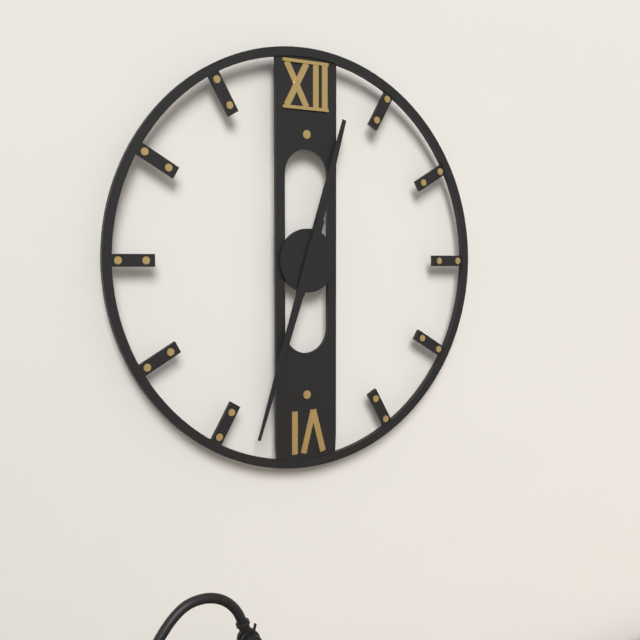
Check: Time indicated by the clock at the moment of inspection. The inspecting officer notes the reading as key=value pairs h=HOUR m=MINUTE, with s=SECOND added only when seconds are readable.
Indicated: h=12 m=33
